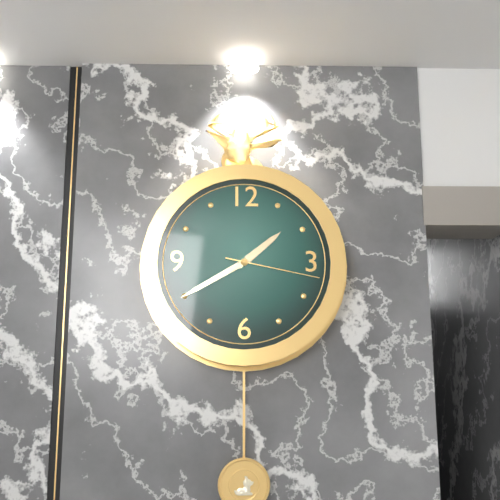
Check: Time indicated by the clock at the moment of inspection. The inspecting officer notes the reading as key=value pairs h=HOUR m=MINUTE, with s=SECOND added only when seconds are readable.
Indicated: h=1 m=40 s=17
